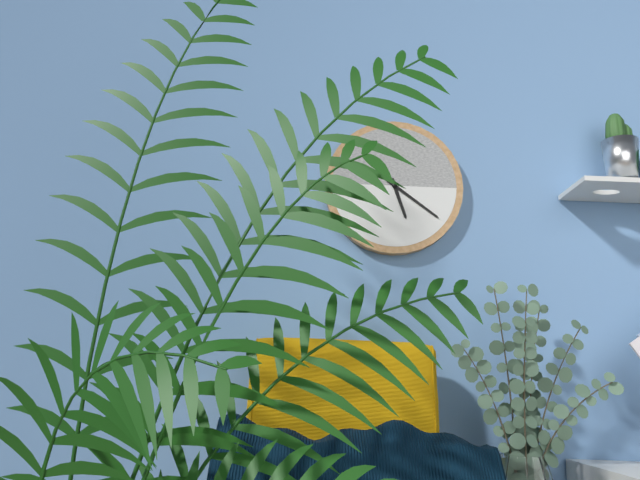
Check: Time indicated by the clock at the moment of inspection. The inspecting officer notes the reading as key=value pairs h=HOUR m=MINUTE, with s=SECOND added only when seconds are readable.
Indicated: h=5 m=21
